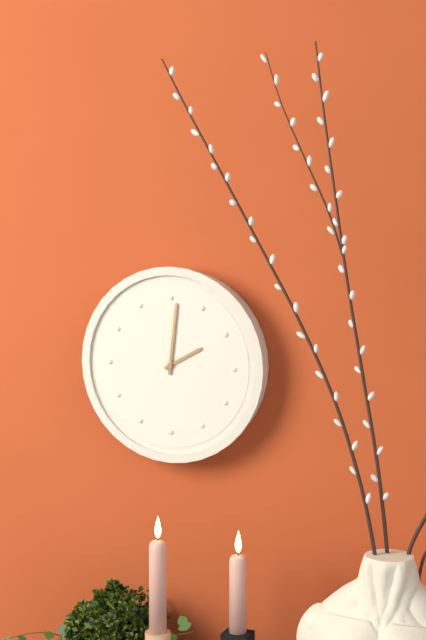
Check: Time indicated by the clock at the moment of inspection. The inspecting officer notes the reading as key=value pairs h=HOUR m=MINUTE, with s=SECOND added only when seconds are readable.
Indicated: h=2 m=1
